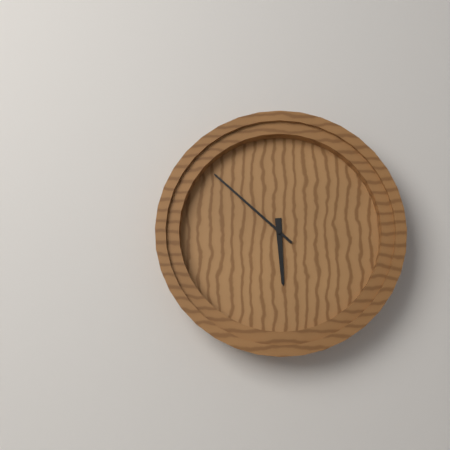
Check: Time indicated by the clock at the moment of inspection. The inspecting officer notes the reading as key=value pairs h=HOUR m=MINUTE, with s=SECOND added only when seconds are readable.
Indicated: h=5 m=52
